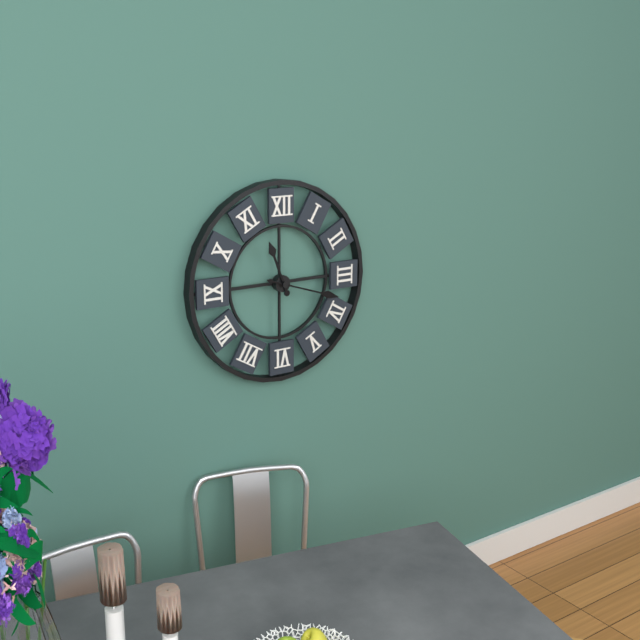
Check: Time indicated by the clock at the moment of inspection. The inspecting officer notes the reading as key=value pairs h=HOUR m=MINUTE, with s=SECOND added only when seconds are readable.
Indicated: h=11 m=18
